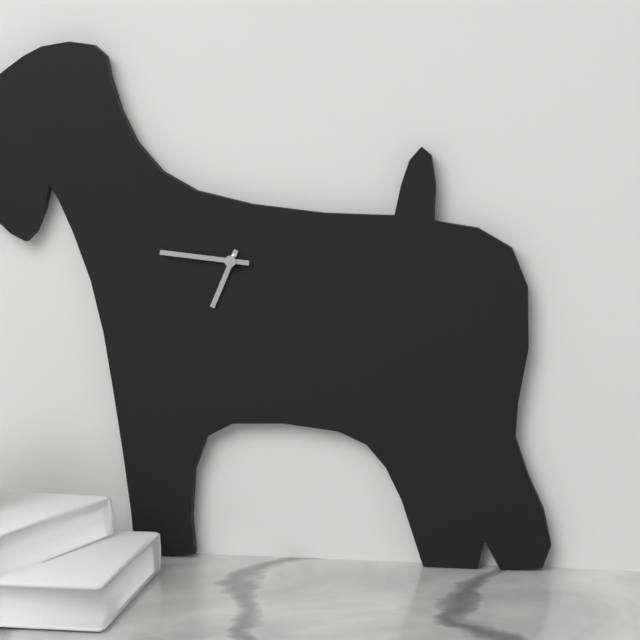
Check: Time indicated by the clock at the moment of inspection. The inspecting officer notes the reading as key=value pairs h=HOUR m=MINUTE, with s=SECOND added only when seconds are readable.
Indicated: h=6 m=46
